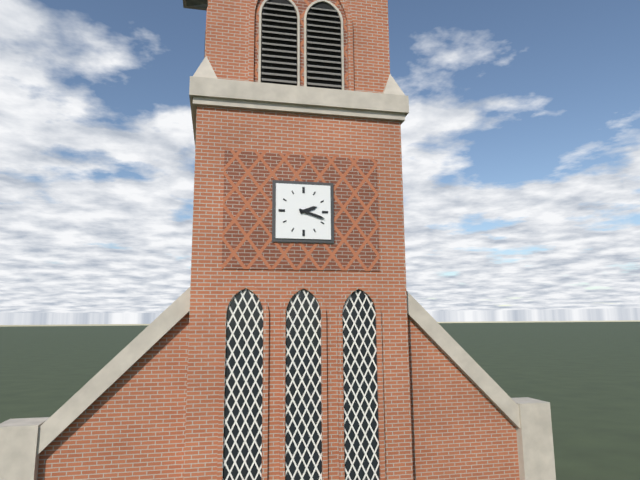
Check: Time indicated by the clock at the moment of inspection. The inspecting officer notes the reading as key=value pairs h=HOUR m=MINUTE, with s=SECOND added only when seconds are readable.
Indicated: h=2 m=18
